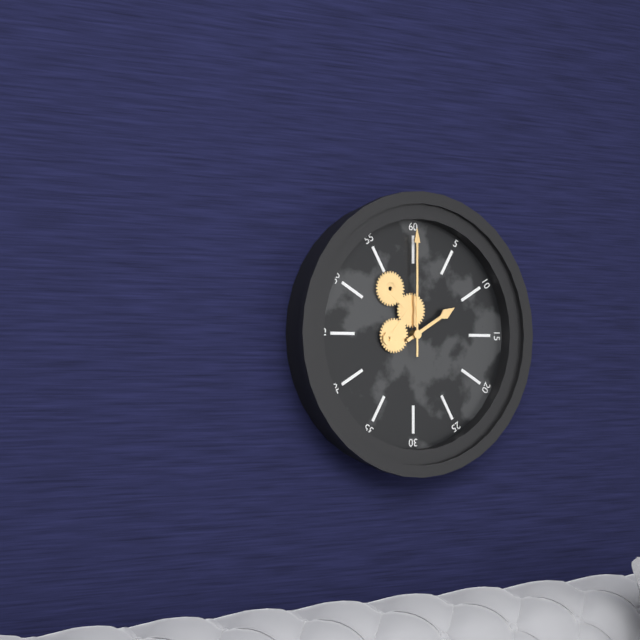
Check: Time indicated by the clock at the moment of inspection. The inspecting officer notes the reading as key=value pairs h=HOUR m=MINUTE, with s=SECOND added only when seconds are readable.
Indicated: h=2 m=0
